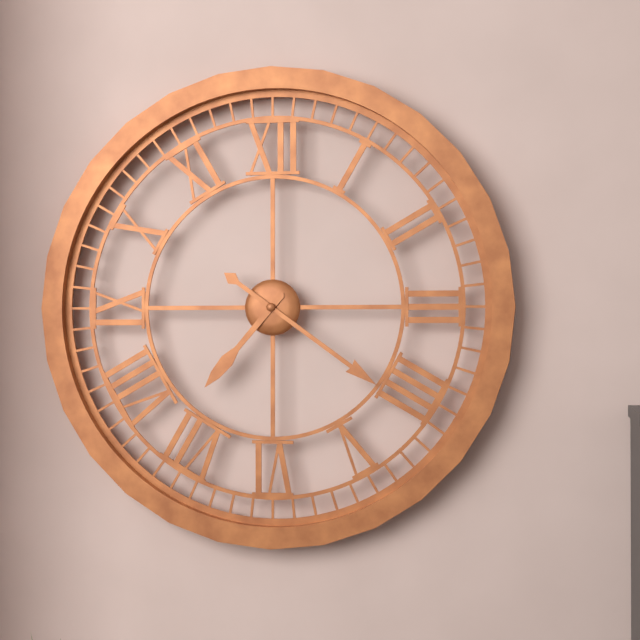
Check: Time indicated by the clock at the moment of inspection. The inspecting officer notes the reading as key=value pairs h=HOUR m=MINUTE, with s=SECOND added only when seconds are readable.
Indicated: h=7 m=21
